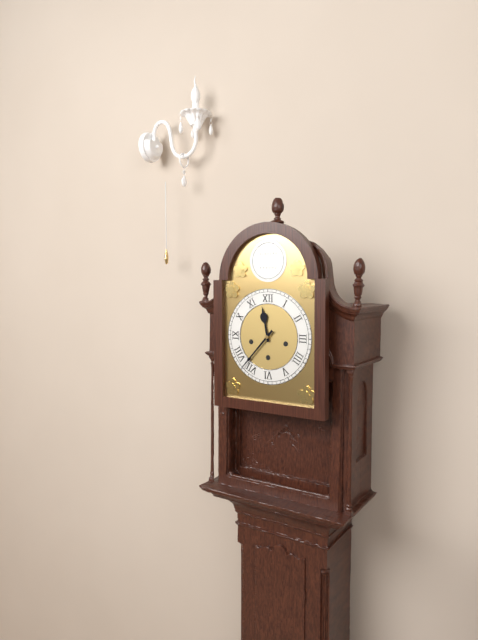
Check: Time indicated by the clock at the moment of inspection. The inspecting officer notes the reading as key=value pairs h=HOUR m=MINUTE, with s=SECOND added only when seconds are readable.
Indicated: h=11 m=37
